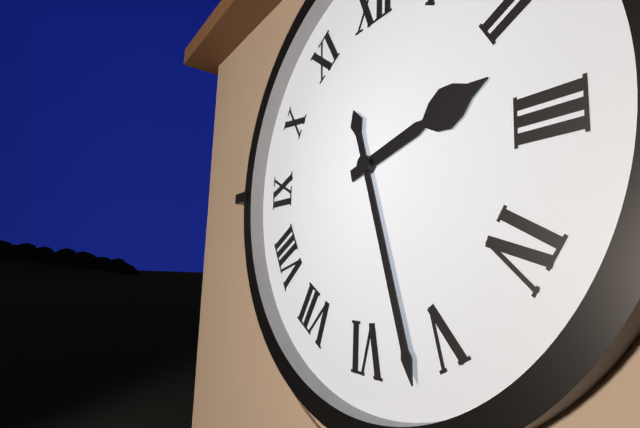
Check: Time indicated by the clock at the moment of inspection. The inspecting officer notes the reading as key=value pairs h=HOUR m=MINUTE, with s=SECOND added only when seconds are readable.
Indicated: h=2 m=27
